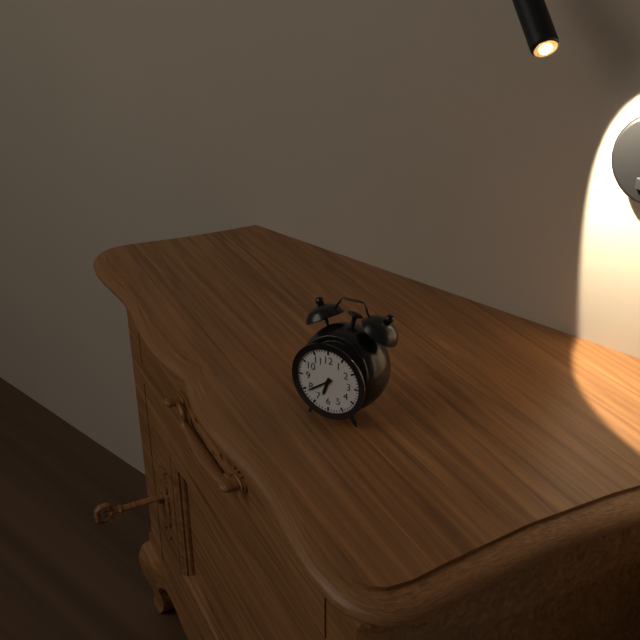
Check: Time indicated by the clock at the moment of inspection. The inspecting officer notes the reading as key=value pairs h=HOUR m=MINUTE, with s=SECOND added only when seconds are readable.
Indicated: h=6 m=39
